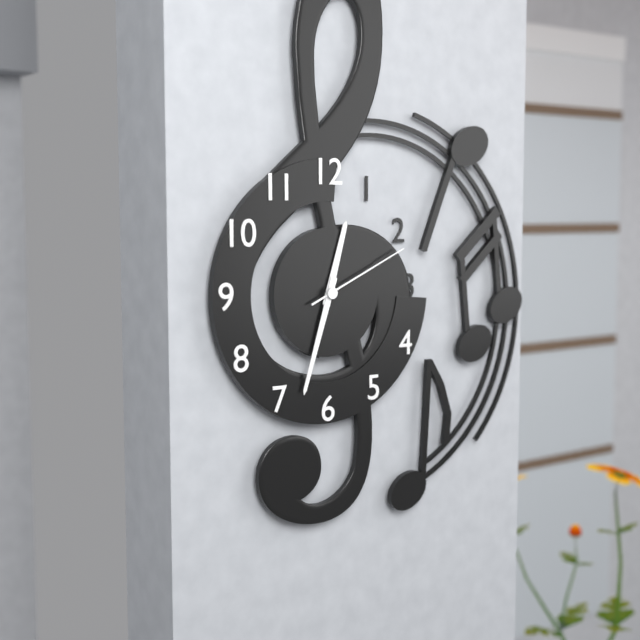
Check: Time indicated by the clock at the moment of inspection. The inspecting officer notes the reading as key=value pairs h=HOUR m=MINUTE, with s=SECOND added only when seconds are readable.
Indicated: h=12 m=33 s=11
